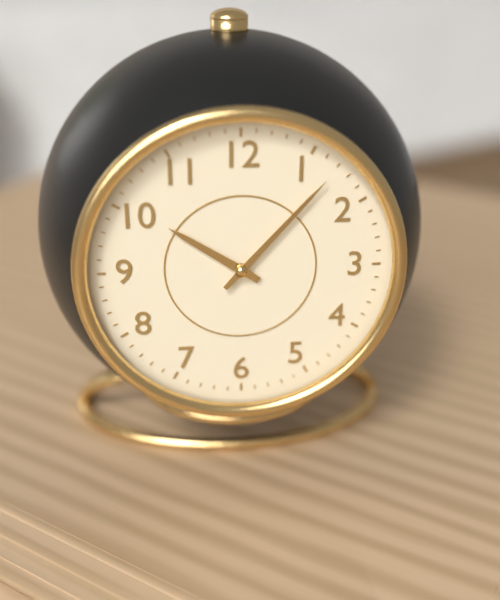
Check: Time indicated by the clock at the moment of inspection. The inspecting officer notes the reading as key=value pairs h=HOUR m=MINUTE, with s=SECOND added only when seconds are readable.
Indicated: h=10 m=7
